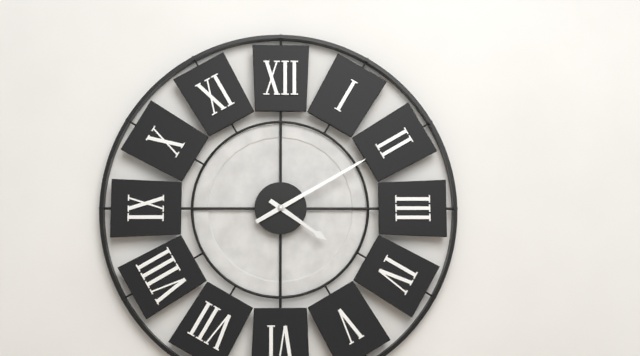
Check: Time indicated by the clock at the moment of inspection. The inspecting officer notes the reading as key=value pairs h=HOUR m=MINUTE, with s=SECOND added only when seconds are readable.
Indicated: h=4 m=10
